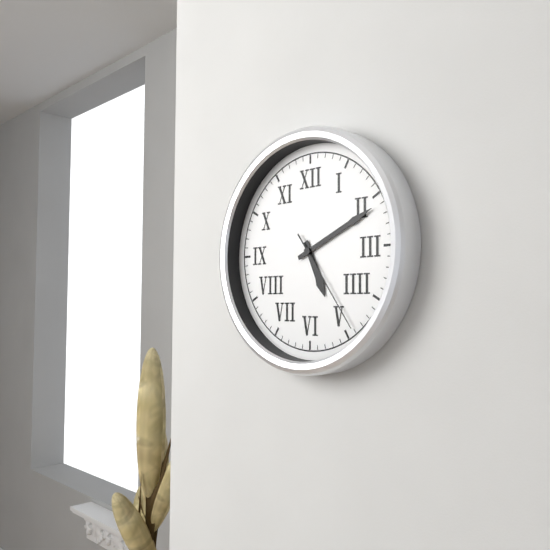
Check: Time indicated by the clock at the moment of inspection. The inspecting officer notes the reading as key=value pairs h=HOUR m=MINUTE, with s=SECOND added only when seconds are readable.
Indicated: h=5 m=11 s=24
